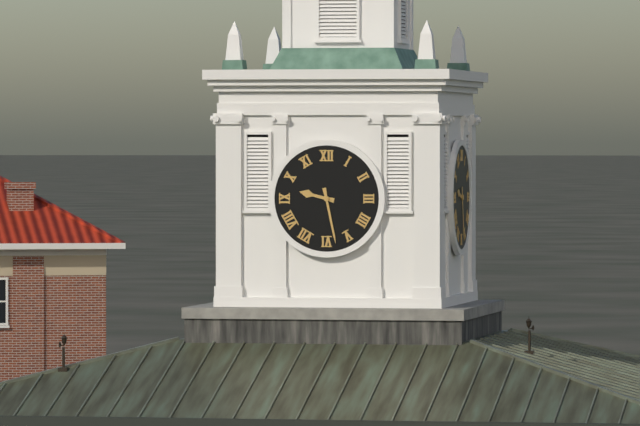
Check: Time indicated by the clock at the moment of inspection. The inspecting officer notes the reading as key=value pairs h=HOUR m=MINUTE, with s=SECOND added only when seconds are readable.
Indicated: h=9 m=28
